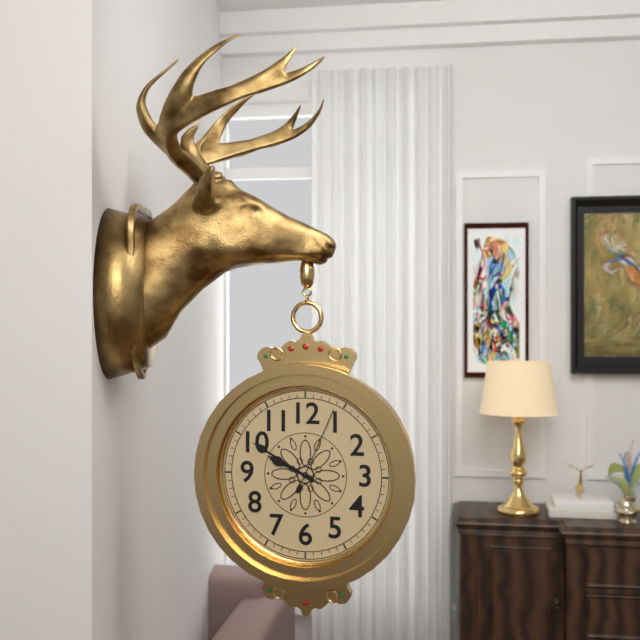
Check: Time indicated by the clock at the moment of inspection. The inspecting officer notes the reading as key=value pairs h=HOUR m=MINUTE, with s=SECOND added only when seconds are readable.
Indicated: h=9 m=50 s=4
